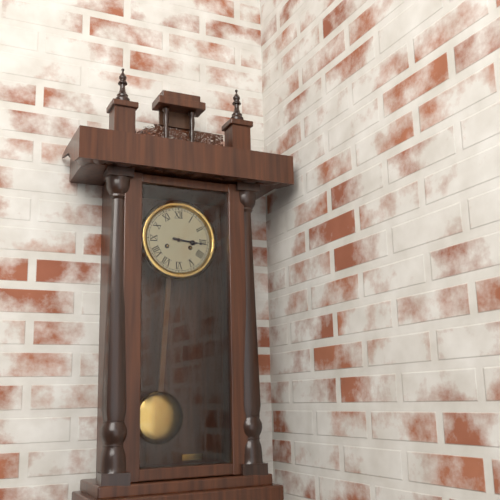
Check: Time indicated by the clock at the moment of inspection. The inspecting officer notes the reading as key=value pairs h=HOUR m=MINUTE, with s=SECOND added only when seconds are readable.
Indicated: h=3 m=16
